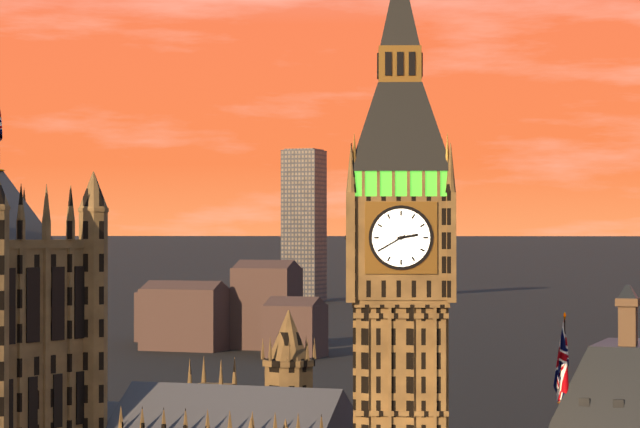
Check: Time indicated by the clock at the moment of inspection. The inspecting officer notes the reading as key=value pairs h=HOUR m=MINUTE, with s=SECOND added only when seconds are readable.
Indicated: h=2 m=40
